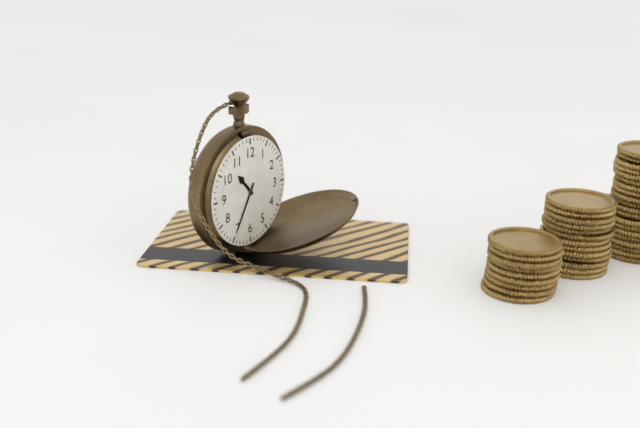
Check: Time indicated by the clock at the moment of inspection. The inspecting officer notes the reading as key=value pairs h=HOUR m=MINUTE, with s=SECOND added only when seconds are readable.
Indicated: h=10 m=35
